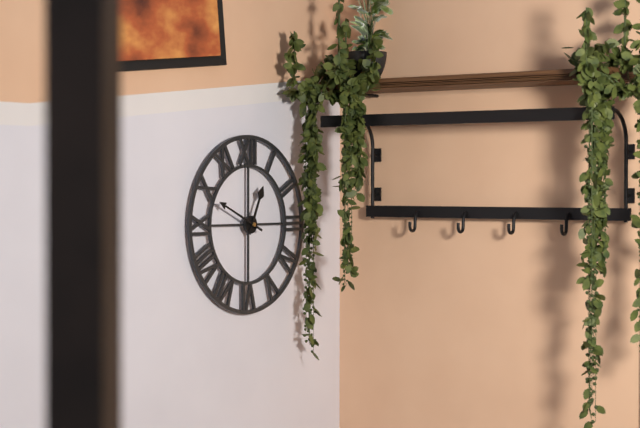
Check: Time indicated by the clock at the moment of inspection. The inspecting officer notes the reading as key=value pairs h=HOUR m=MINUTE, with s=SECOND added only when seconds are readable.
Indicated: h=12 m=49
